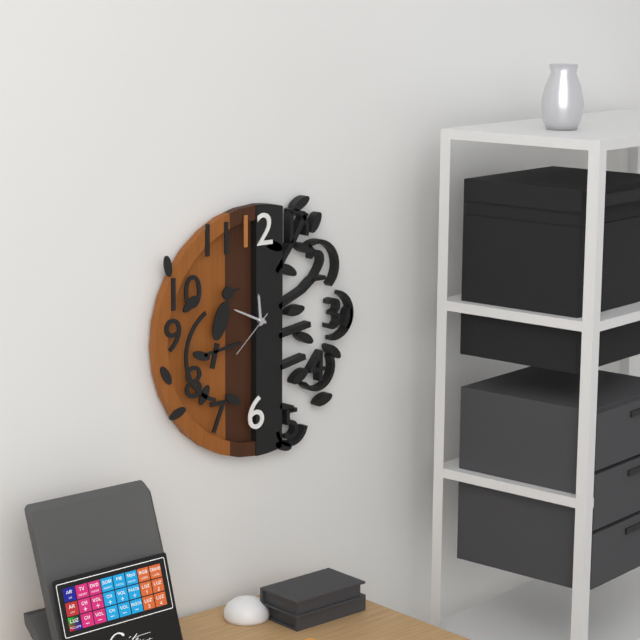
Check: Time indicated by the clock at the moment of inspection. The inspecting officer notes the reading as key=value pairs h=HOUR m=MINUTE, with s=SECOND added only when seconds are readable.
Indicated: h=11 m=49
